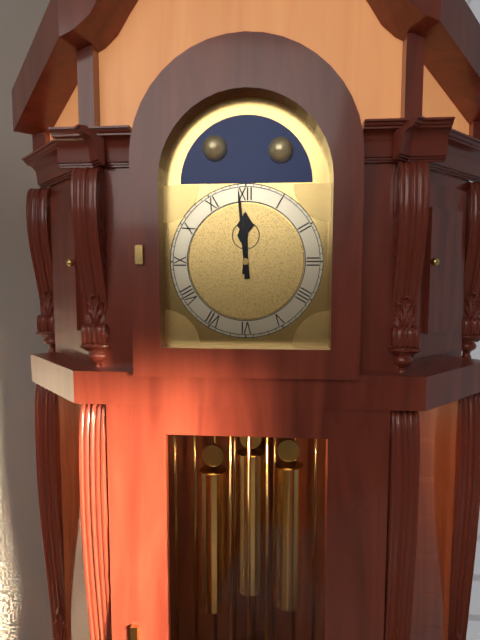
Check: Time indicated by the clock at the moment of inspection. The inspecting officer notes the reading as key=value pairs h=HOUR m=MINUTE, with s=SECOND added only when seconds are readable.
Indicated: h=11 m=59
